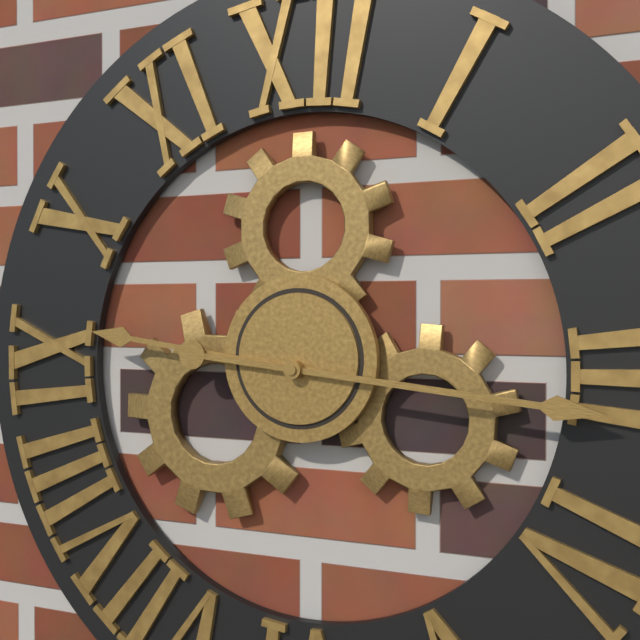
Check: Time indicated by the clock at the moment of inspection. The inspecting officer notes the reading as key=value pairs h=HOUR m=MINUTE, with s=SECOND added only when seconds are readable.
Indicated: h=9 m=16
